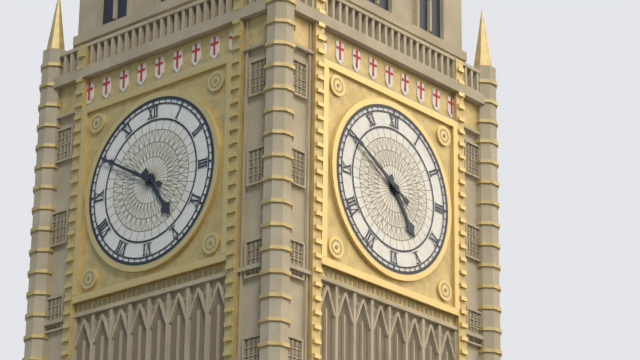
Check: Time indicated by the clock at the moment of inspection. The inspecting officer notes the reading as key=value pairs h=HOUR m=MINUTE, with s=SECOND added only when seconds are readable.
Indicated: h=4 m=50
